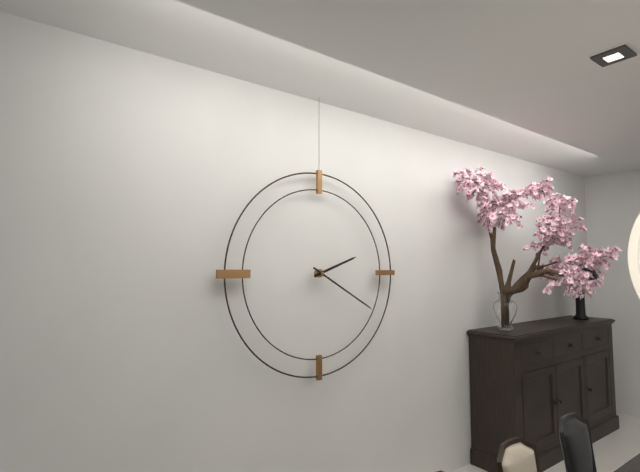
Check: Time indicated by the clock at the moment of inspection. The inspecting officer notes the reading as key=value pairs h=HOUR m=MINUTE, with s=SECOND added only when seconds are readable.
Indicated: h=2 m=20
